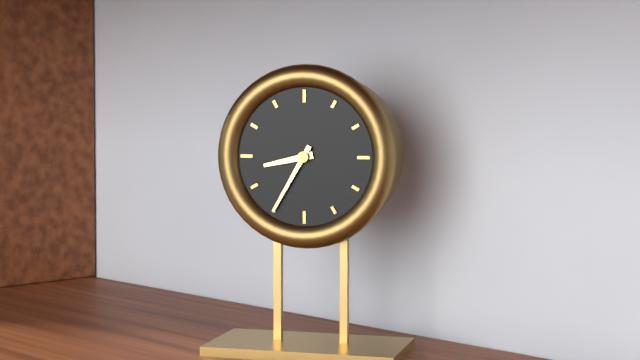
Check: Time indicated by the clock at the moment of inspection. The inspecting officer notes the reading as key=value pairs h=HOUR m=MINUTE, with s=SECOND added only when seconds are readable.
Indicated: h=8 m=35
